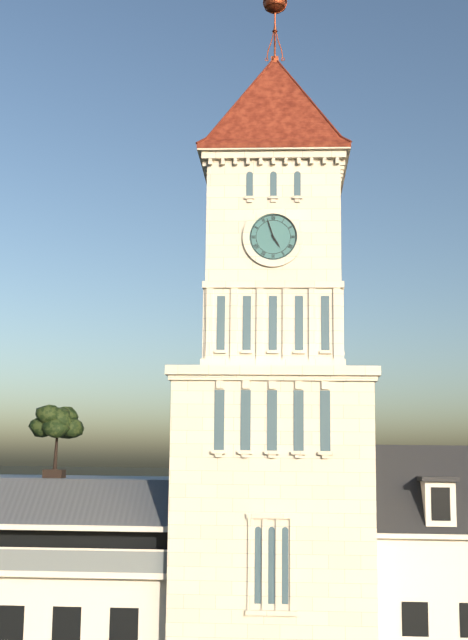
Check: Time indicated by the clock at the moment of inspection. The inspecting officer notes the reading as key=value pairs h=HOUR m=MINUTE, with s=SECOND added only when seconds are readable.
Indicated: h=4 m=57
